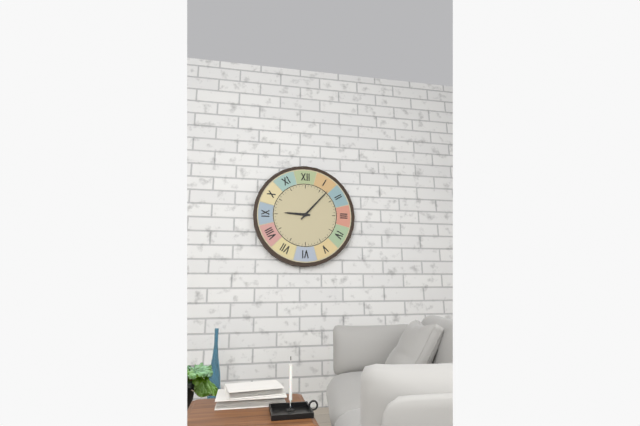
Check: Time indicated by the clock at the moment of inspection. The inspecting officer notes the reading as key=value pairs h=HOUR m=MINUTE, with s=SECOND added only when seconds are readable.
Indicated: h=9 m=7
